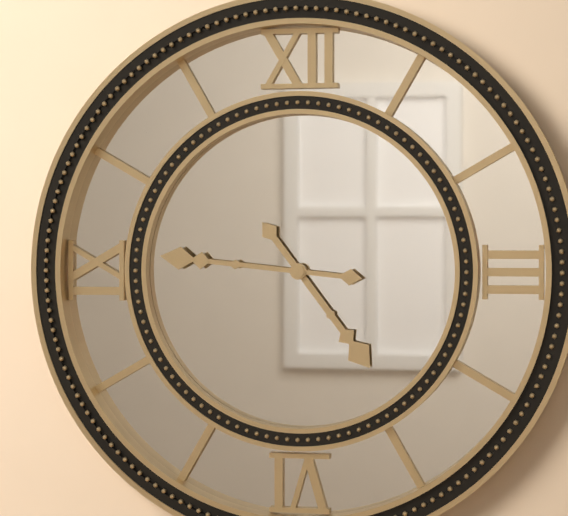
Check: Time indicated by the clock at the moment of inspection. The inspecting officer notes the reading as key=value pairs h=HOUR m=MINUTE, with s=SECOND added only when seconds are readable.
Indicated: h=4 m=46
